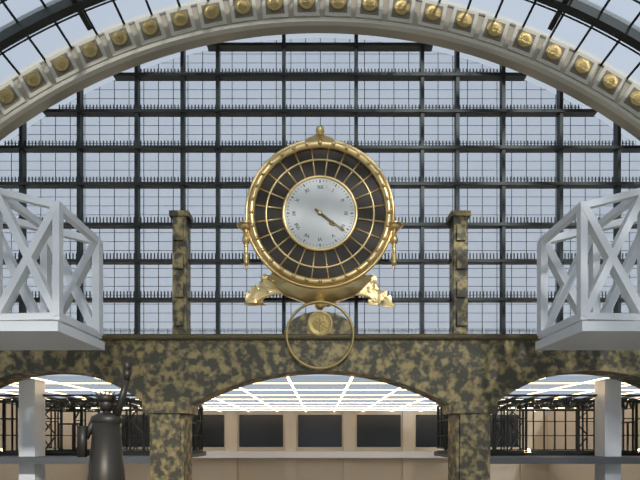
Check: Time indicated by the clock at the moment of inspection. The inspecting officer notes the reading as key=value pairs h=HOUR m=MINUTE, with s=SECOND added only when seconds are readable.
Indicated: h=4 m=21
